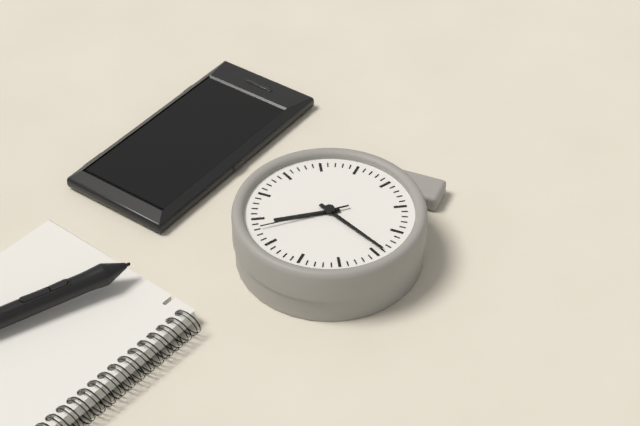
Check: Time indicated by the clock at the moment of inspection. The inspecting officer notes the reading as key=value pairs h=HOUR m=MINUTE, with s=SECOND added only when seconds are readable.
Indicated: h=1 m=49 s=8
